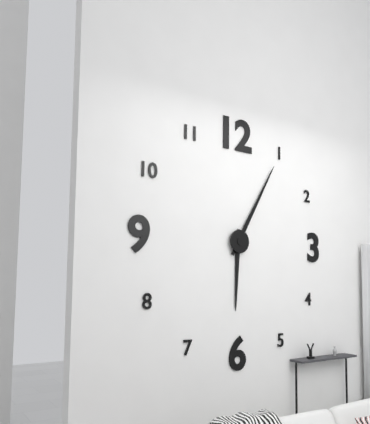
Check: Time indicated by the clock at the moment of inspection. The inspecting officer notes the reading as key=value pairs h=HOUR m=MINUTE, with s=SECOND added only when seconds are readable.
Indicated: h=6 m=5
